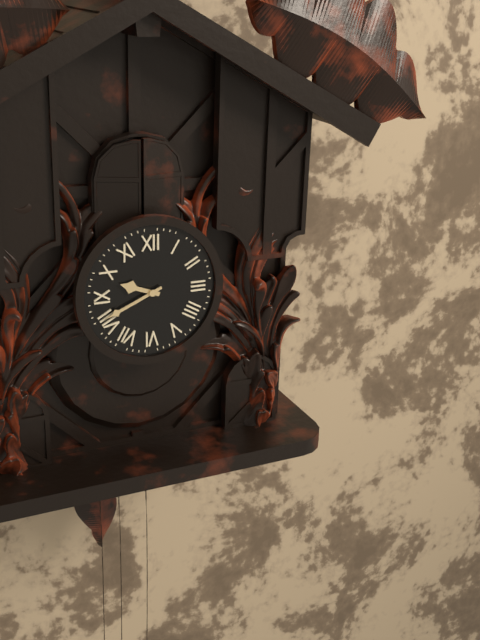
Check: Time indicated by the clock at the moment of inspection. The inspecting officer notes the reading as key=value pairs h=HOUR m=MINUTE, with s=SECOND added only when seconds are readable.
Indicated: h=9 m=41
